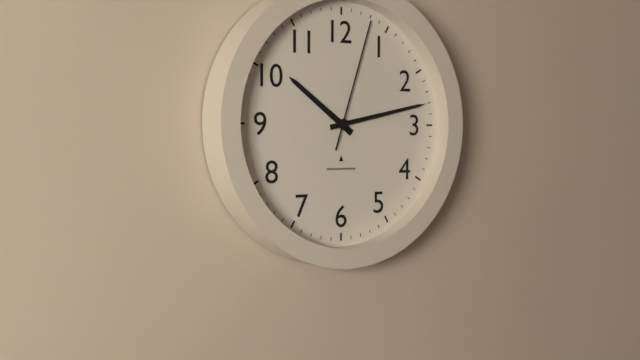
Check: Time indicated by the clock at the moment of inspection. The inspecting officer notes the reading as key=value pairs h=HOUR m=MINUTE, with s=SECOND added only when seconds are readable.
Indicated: h=10 m=13 s=3
